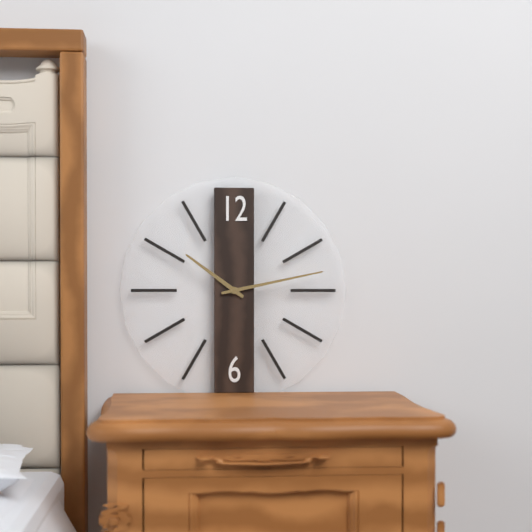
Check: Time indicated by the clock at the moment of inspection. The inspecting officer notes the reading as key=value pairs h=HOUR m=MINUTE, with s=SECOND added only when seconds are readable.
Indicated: h=10 m=13
